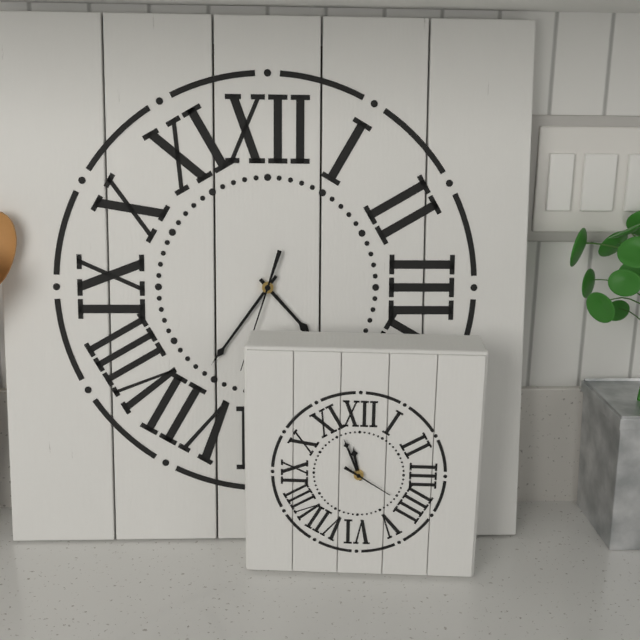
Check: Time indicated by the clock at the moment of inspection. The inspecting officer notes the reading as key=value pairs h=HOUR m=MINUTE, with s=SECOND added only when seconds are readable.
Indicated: h=4 m=36
